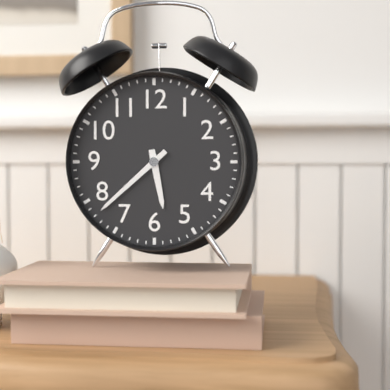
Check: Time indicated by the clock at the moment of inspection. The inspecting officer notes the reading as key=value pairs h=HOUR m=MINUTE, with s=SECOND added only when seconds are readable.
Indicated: h=5 m=38
